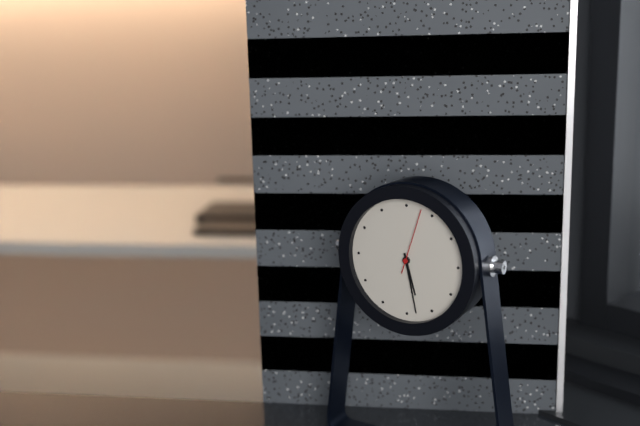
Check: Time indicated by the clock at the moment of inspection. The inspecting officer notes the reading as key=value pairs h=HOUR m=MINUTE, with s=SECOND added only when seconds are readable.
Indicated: h=5 m=28 s=3
